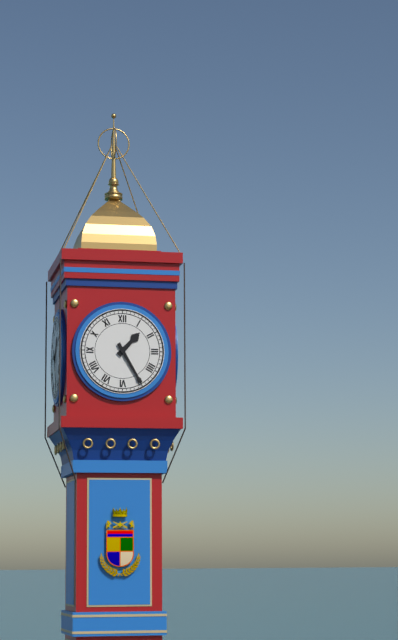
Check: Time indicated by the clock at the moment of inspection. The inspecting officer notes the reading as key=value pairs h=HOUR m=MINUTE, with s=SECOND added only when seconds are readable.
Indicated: h=1 m=25
